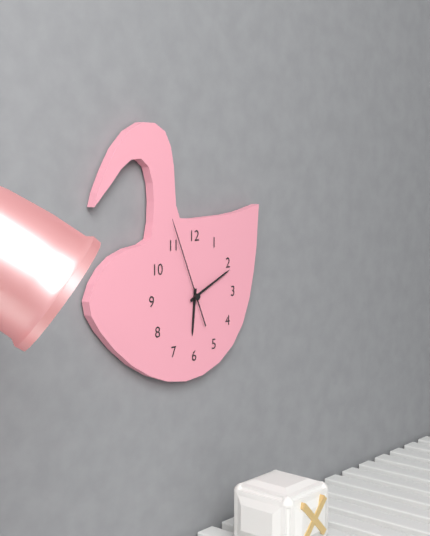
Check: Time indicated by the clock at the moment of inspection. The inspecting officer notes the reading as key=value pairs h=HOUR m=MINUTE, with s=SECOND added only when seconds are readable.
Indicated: h=6 m=11 s=56
